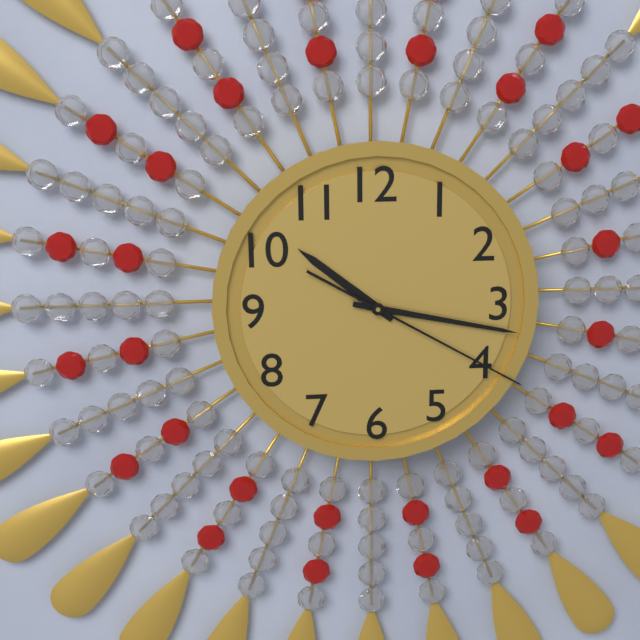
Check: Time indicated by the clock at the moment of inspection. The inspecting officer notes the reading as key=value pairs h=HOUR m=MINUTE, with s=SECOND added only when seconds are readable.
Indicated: h=10 m=17 s=20
